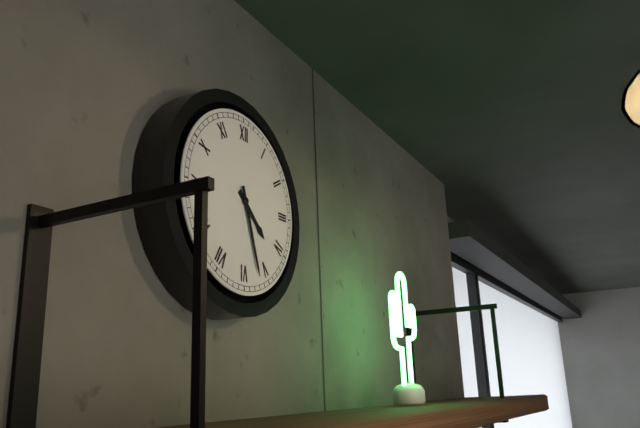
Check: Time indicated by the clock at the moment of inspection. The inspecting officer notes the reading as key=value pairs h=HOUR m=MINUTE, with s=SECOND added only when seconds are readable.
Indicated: h=4 m=27
